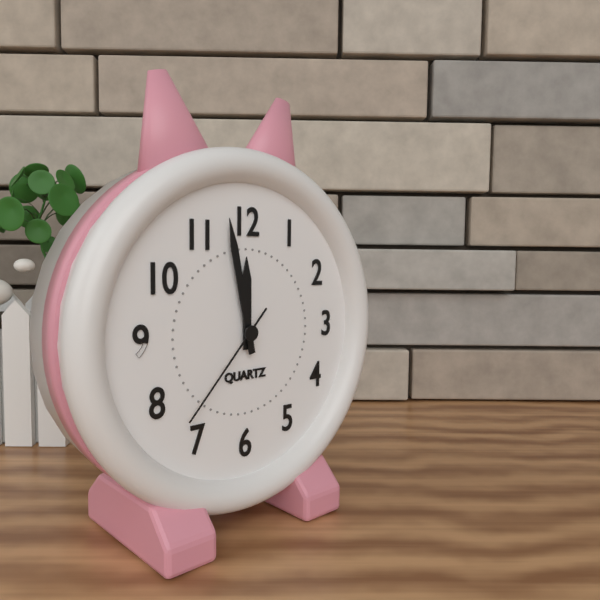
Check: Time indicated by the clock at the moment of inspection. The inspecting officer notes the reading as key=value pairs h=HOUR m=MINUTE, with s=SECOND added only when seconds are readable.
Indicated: h=11 m=58 s=37
